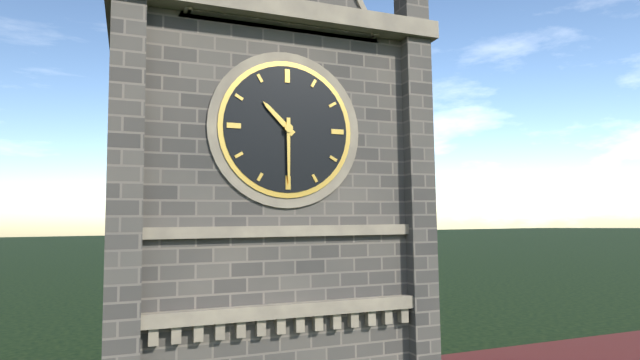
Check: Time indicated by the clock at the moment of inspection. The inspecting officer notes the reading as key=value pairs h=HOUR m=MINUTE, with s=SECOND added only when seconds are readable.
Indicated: h=10 m=30
